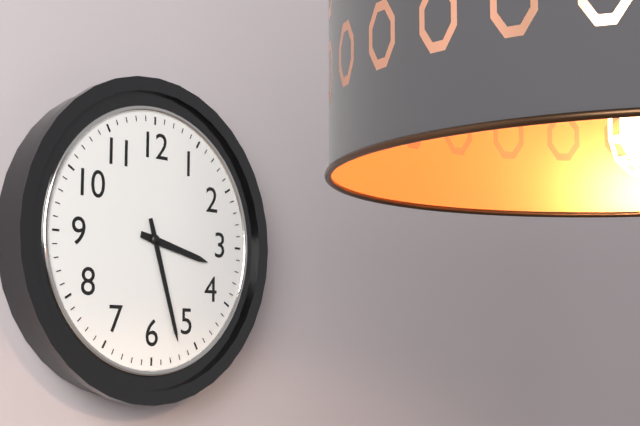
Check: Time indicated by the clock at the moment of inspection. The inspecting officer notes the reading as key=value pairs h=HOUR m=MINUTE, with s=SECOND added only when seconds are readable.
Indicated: h=3 m=27
